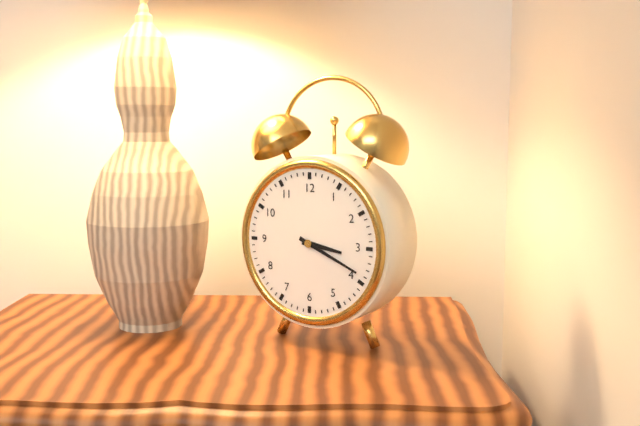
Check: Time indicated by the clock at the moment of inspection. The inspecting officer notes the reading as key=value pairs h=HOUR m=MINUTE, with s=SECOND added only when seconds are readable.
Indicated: h=3 m=19
